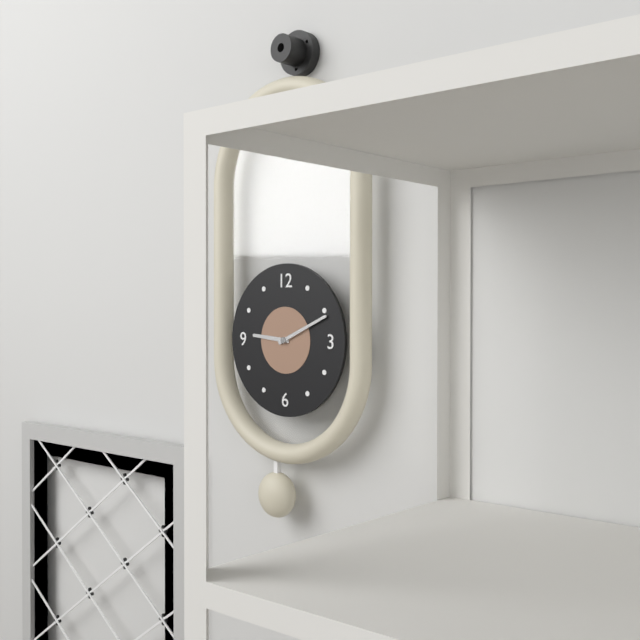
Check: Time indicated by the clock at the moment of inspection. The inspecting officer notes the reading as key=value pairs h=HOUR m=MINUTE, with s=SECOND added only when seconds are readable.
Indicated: h=9 m=11
